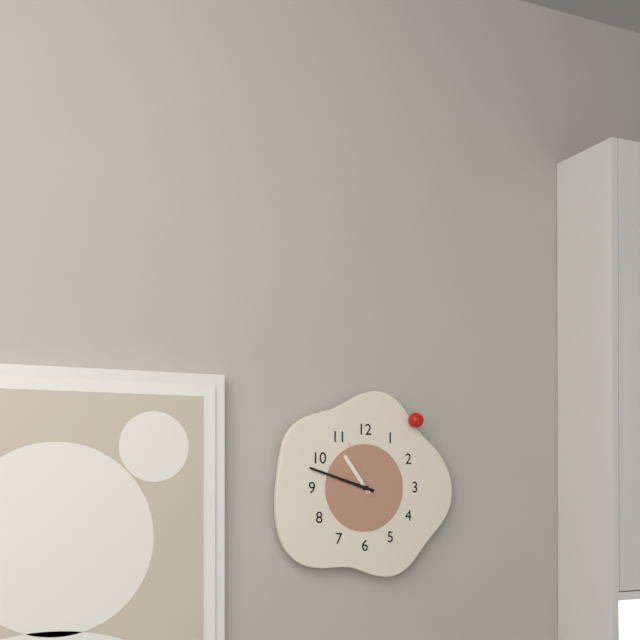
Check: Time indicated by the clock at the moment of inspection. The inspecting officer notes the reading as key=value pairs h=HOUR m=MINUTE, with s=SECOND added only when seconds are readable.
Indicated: h=10 m=48 s=56
